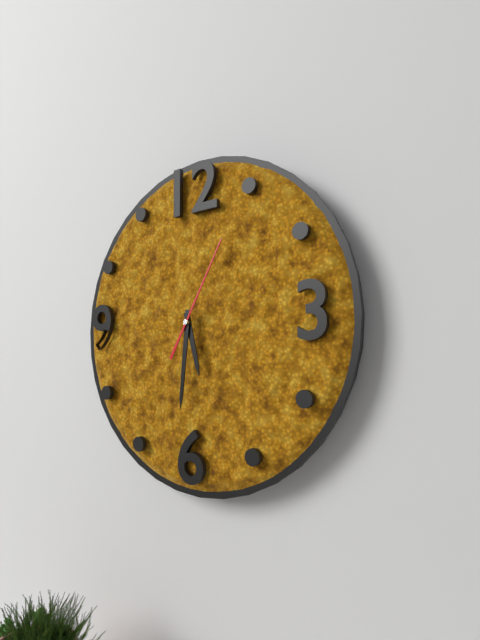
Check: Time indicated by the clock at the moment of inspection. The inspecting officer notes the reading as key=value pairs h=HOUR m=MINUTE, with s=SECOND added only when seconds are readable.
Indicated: h=5 m=31 s=5
